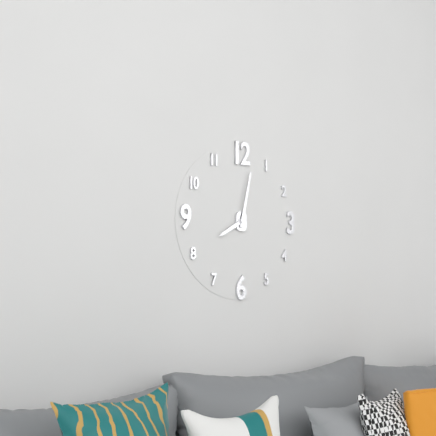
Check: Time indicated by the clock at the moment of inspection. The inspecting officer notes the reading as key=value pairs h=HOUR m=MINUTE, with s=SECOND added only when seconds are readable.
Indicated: h=8 m=2
